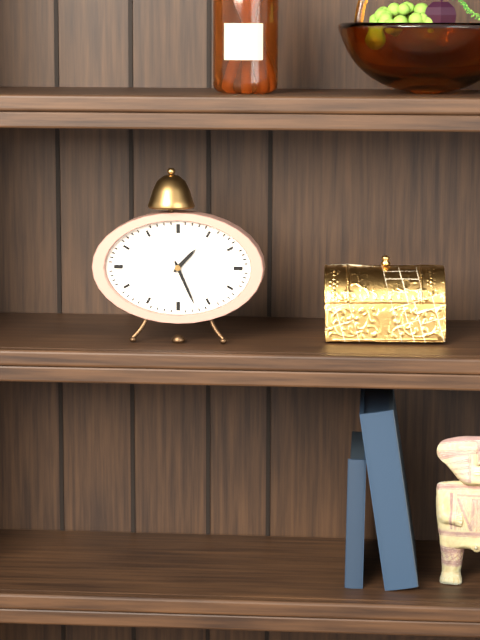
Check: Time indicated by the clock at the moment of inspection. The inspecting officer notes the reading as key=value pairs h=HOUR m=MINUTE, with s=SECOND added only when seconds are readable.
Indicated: h=1 m=26
